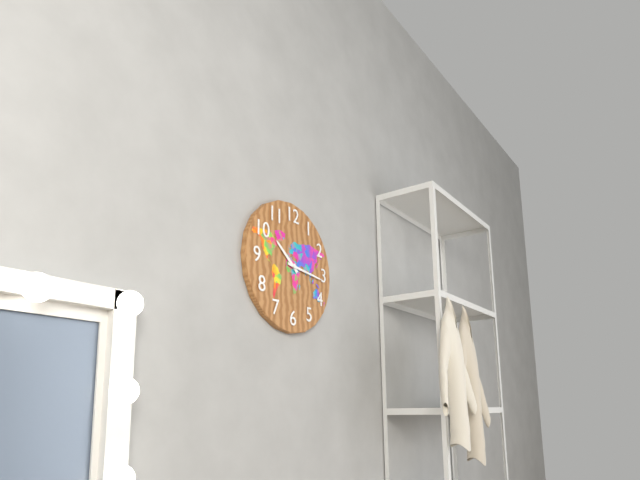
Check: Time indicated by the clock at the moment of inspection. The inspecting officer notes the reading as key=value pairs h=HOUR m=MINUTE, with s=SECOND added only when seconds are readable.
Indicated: h=10 m=16
